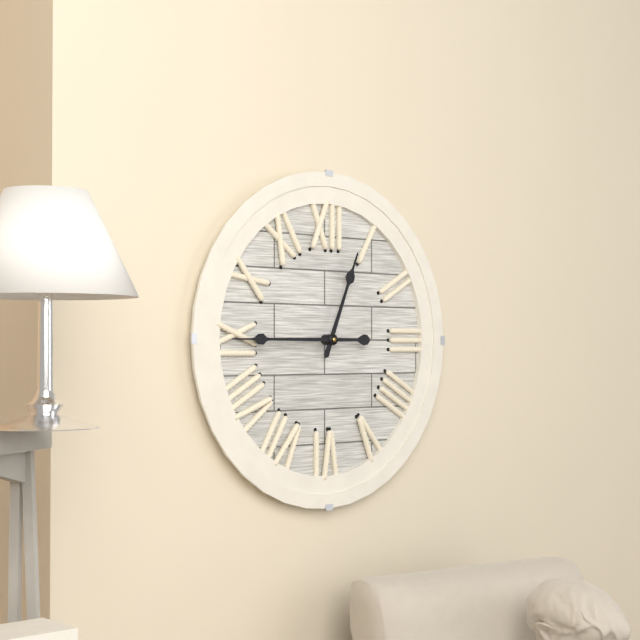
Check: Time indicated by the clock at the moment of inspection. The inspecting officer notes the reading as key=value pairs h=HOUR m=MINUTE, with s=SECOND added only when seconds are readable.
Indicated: h=12 m=45
